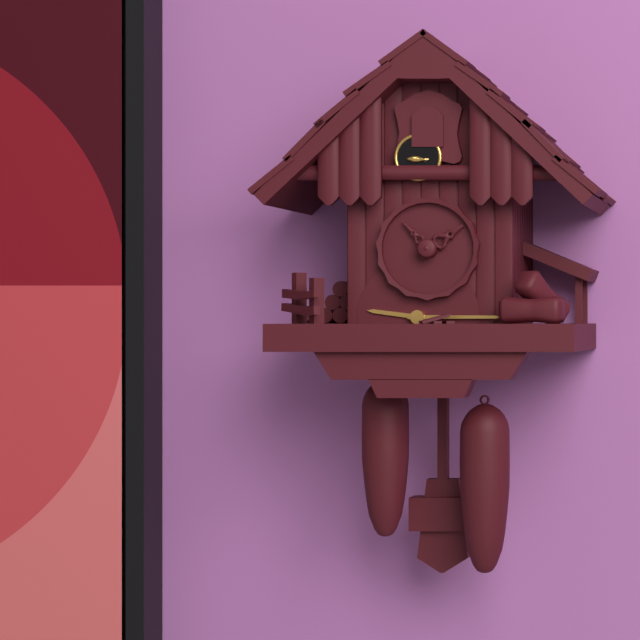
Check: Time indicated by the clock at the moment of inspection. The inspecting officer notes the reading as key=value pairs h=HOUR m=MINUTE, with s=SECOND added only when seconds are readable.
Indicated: h=9 m=15
